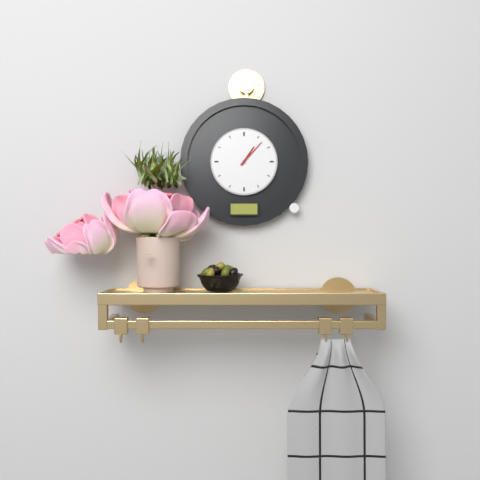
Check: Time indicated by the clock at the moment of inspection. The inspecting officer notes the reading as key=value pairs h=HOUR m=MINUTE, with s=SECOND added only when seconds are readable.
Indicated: h=1 m=7
